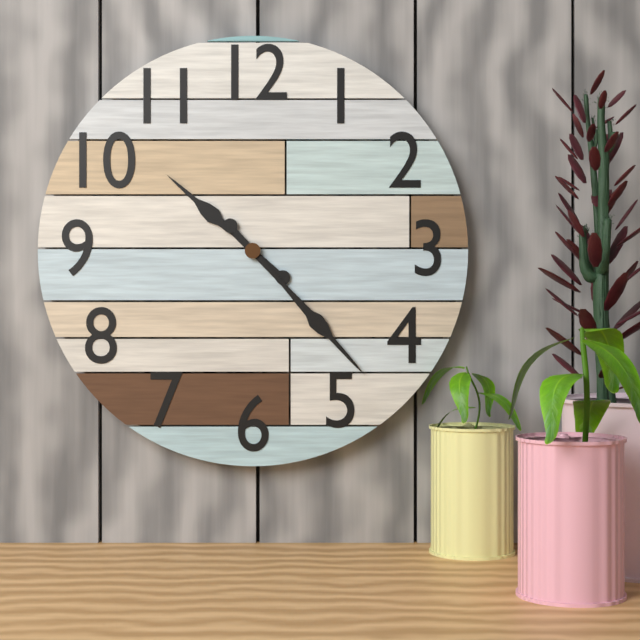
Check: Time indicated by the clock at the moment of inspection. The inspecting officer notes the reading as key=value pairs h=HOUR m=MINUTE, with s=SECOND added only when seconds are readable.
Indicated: h=10 m=23
